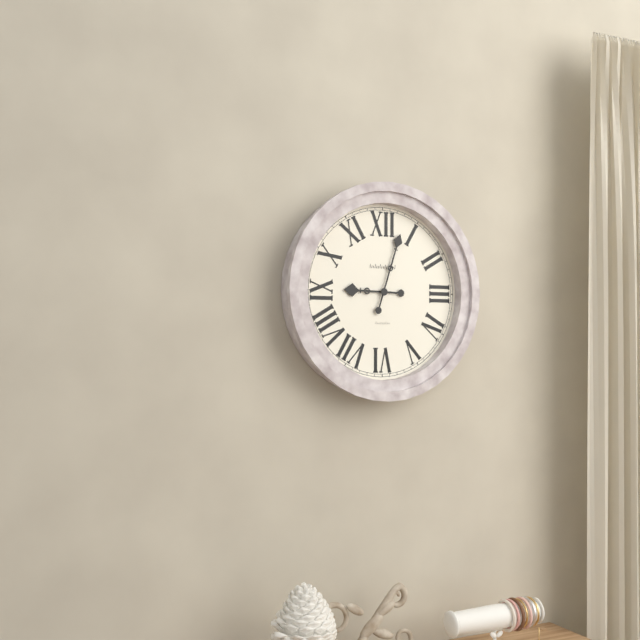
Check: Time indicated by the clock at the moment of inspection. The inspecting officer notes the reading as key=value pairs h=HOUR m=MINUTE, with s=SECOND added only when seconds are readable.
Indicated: h=9 m=3
